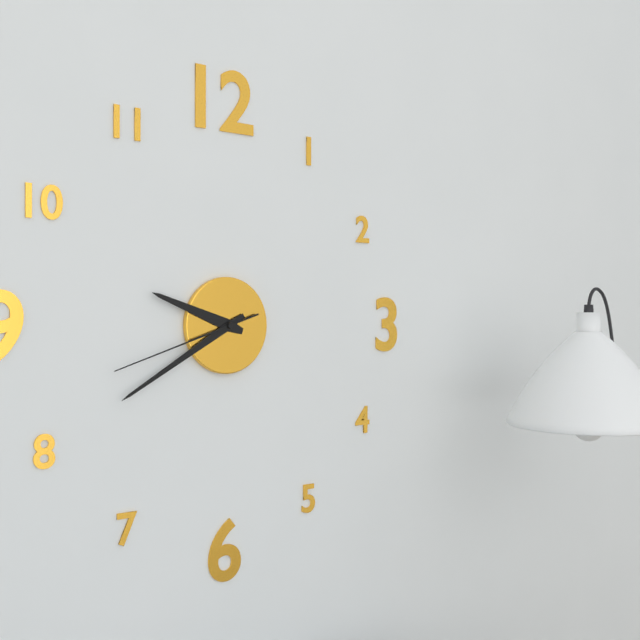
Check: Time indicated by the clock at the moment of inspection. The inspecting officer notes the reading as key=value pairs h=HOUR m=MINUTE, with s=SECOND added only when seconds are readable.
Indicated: h=9 m=40 s=42
